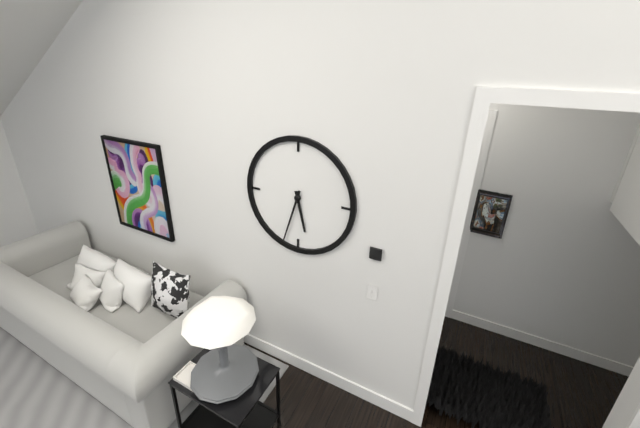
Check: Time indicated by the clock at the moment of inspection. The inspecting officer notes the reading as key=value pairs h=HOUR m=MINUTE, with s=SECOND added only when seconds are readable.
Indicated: h=5 m=33
